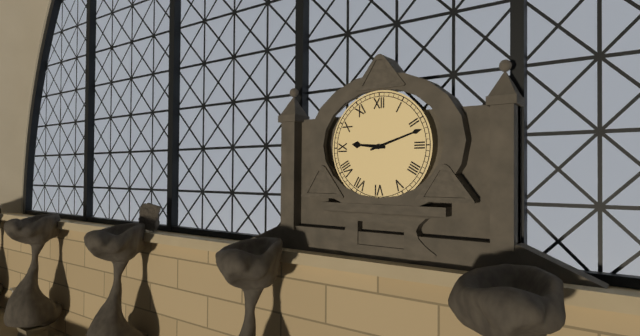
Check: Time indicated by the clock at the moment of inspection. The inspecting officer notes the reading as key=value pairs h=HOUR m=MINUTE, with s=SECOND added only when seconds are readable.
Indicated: h=9 m=12
